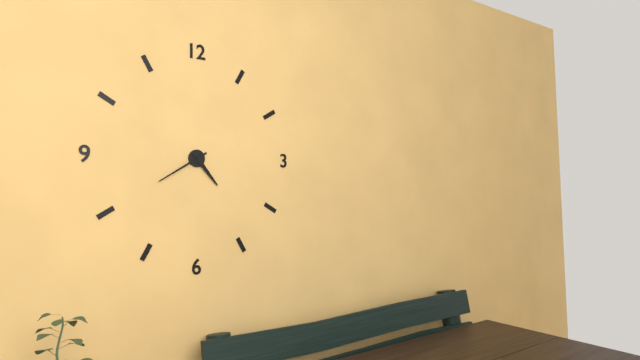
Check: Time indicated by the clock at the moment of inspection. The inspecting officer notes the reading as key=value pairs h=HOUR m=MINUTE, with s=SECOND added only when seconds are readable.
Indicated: h=4 m=40
